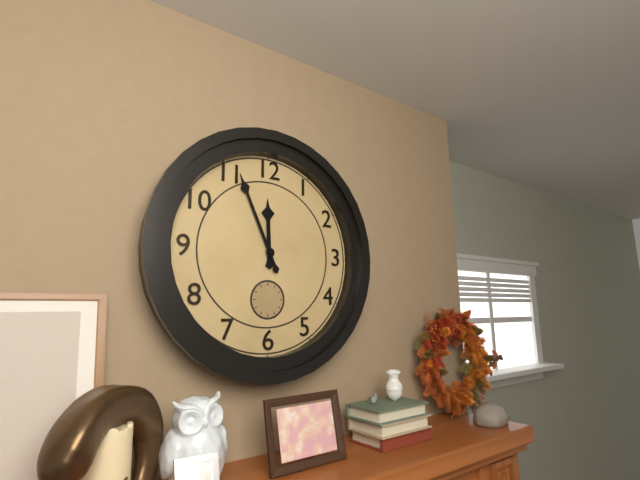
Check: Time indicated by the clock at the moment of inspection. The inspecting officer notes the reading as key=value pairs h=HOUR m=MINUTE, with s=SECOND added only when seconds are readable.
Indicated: h=11 m=56
